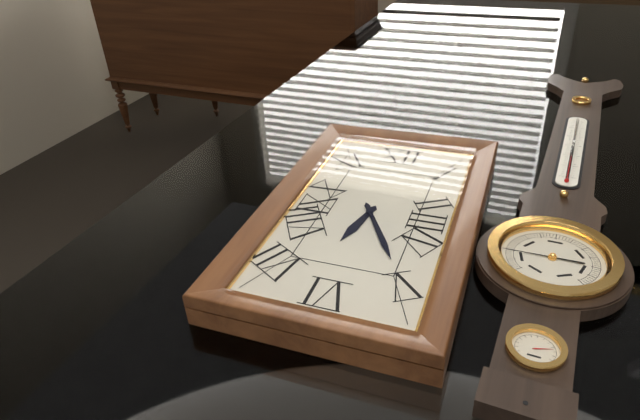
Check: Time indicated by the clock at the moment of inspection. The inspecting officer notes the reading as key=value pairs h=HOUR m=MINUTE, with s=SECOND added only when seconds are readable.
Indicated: h=6 m=25
